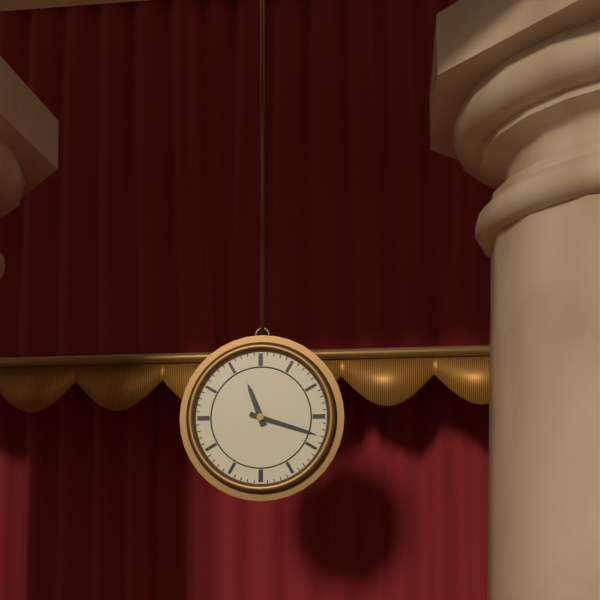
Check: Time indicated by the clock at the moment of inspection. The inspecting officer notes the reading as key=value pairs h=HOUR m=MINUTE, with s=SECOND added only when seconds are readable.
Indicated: h=11 m=18
